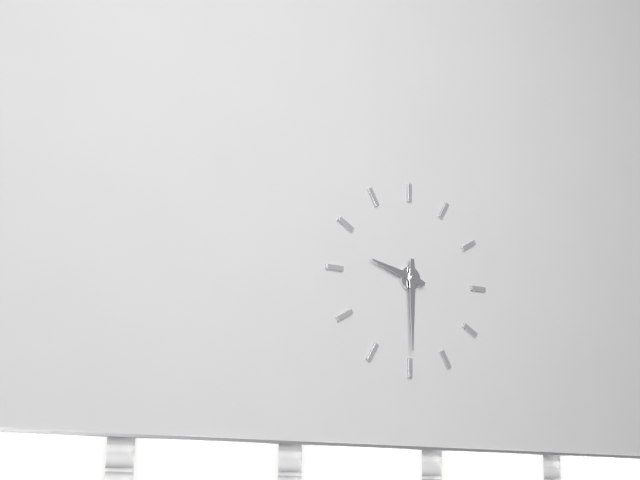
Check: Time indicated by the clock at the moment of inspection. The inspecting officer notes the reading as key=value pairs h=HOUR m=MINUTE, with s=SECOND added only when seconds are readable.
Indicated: h=9 m=30
